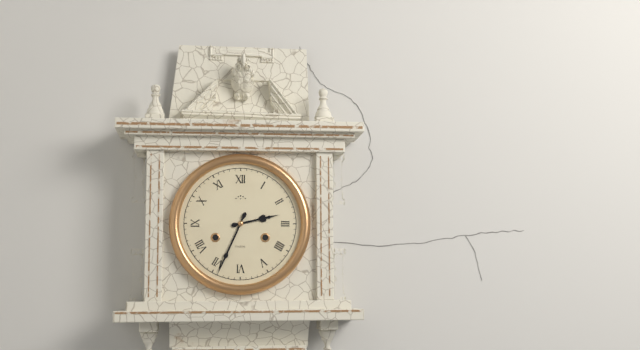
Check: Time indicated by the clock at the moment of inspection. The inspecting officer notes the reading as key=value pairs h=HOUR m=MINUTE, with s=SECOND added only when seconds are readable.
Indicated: h=2 m=34
